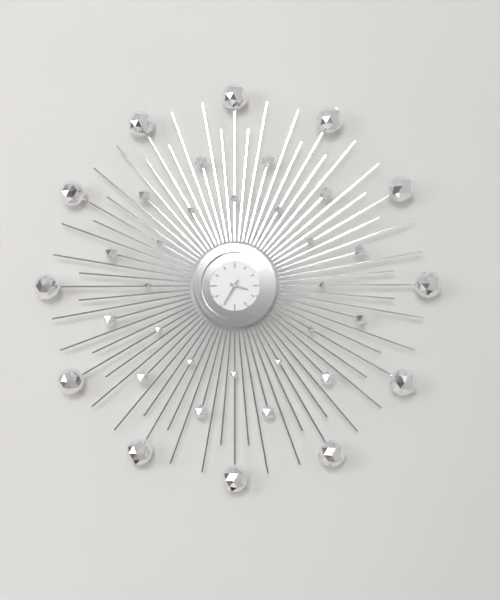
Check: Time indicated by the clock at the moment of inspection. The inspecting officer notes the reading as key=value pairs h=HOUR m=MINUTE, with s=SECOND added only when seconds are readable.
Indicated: h=3 m=35
